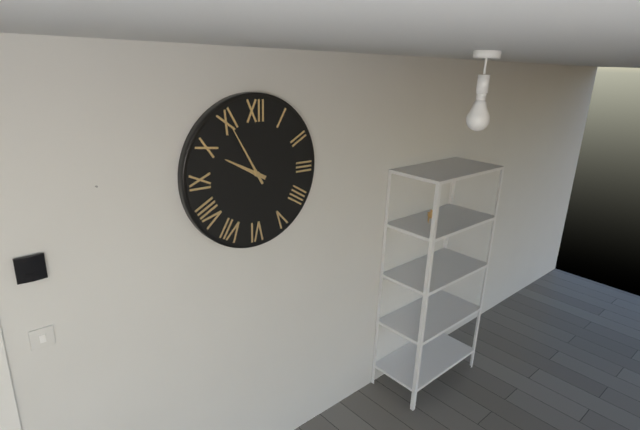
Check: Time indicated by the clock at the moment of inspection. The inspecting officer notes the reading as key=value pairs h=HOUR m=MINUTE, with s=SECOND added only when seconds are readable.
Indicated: h=9 m=55
